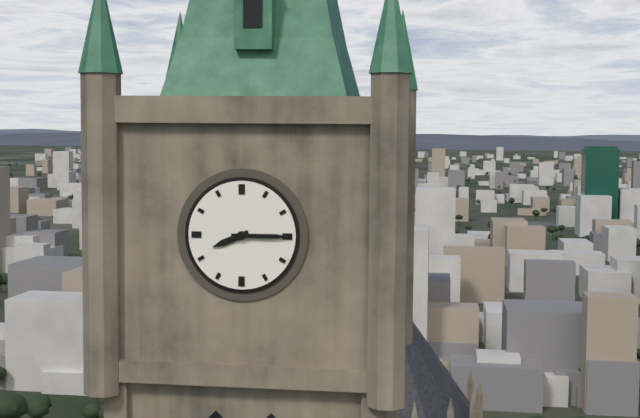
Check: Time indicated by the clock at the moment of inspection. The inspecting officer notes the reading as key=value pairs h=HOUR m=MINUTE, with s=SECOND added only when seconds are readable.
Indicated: h=8 m=15
